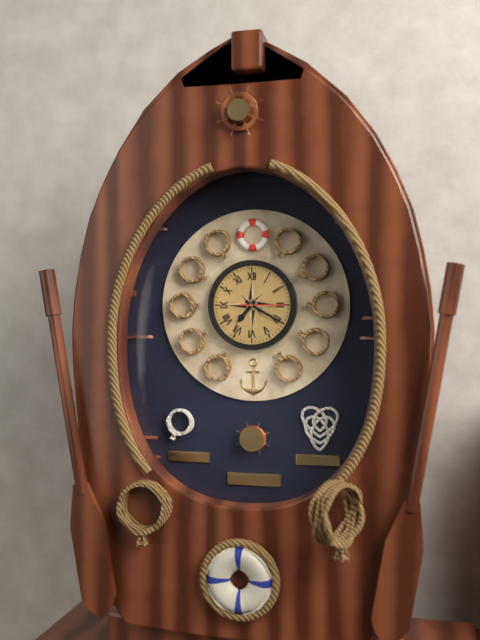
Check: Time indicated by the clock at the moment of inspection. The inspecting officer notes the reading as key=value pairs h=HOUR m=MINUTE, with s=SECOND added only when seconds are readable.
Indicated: h=7 m=20
